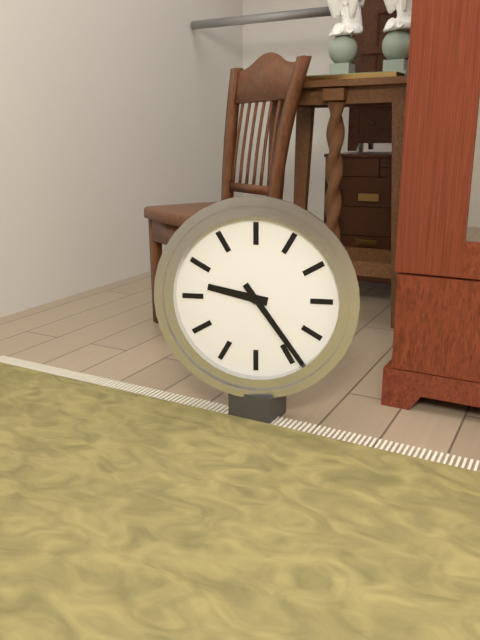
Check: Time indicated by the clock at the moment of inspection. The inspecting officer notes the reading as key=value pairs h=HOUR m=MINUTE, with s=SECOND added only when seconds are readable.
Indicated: h=9 m=24
